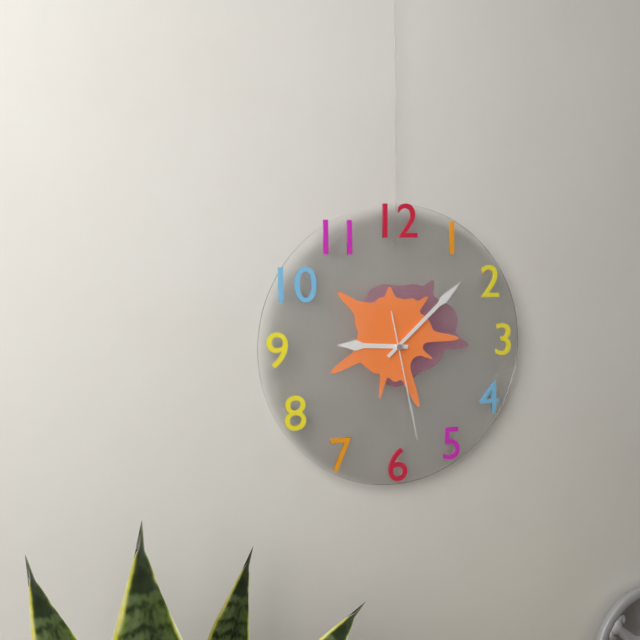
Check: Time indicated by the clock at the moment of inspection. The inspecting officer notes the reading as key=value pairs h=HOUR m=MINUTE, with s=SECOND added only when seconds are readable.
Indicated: h=9 m=8 s=28
